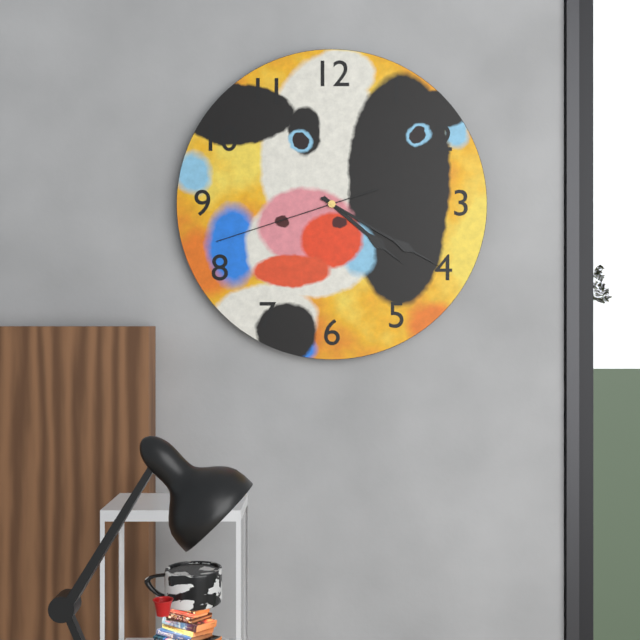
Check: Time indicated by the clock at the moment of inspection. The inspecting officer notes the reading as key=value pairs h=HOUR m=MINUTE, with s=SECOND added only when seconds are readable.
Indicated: h=4 m=20 s=42
